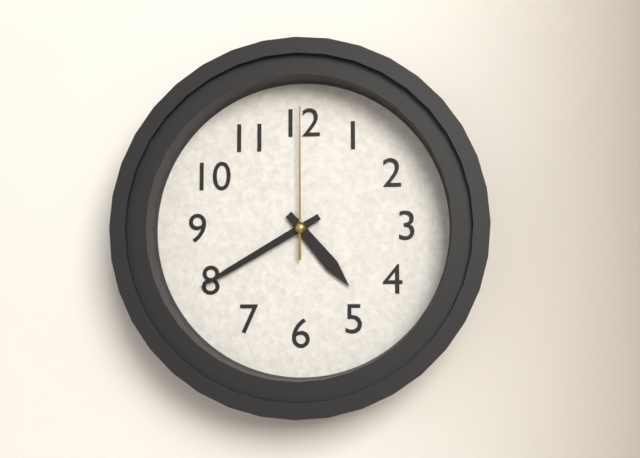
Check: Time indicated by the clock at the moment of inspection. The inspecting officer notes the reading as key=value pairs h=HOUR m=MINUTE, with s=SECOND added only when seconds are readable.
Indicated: h=4 m=40 s=0
